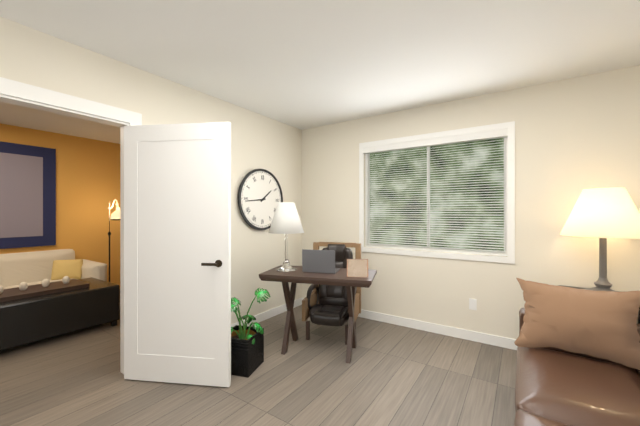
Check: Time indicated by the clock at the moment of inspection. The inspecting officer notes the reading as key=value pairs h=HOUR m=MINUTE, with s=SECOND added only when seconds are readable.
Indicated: h=1 m=44
